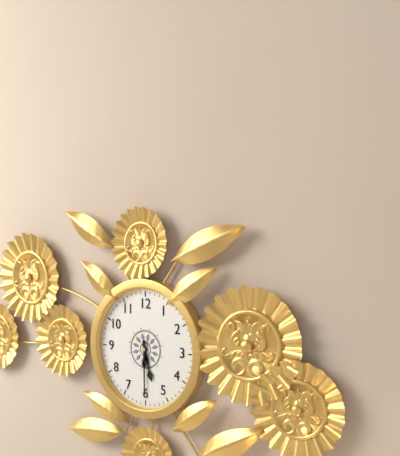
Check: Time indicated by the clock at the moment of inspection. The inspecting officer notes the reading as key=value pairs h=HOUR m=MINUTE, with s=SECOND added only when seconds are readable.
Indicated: h=5 m=30
